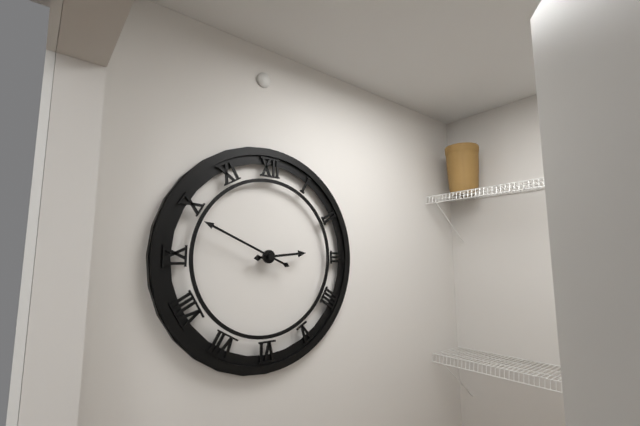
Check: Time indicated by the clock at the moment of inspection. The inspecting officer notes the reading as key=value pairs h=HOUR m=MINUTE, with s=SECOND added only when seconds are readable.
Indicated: h=2 m=49
